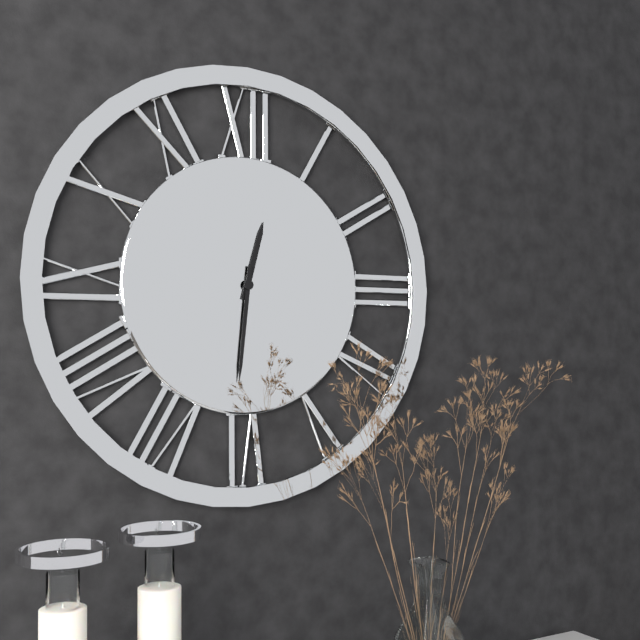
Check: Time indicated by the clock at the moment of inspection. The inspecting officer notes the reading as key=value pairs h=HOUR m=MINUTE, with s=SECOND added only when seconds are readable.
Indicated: h=12 m=31
